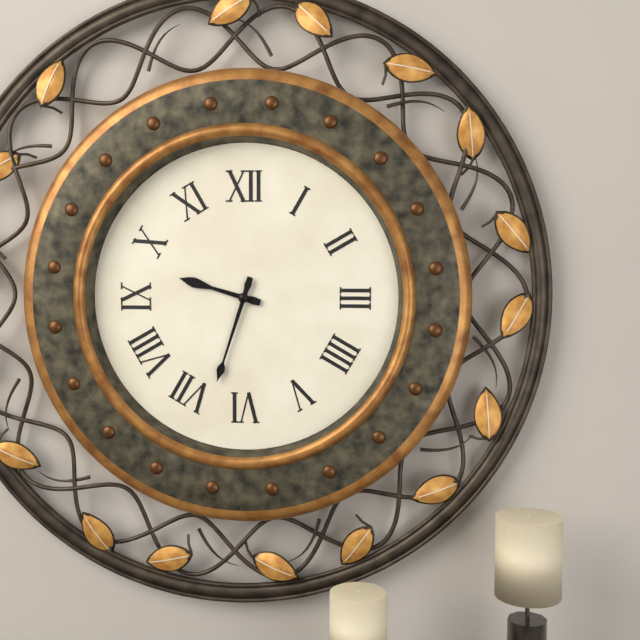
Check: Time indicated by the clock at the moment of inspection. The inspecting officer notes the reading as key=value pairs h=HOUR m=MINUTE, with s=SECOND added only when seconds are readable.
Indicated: h=9 m=33
